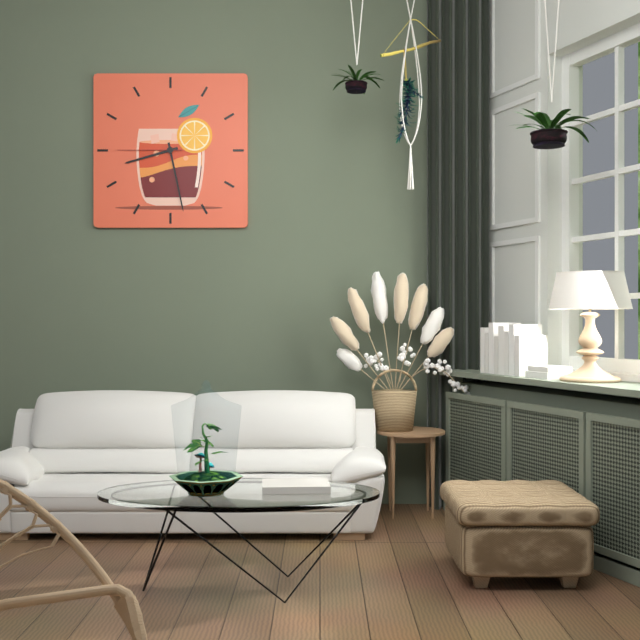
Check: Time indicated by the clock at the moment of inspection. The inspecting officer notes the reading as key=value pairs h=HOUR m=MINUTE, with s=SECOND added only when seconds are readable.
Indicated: h=8 m=28 s=45
